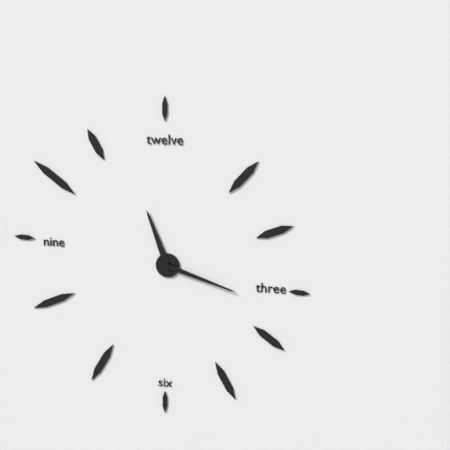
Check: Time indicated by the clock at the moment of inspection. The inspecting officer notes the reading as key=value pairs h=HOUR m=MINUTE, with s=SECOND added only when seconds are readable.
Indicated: h=11 m=18
